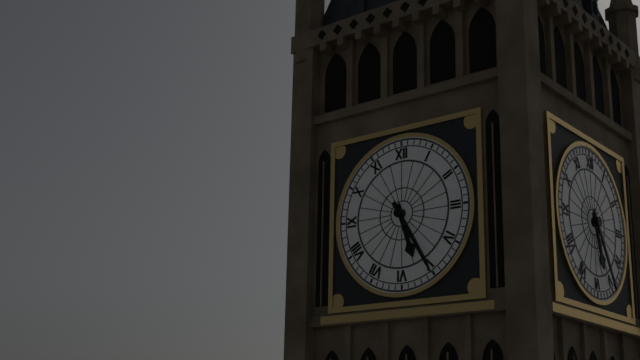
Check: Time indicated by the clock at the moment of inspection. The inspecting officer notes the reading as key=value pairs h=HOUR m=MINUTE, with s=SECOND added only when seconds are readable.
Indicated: h=5 m=25
